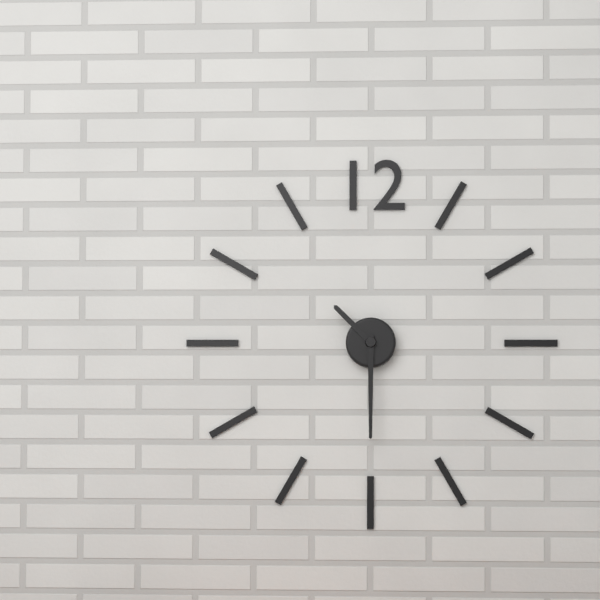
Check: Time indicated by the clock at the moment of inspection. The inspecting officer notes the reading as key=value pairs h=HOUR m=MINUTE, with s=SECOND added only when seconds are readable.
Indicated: h=10 m=30
